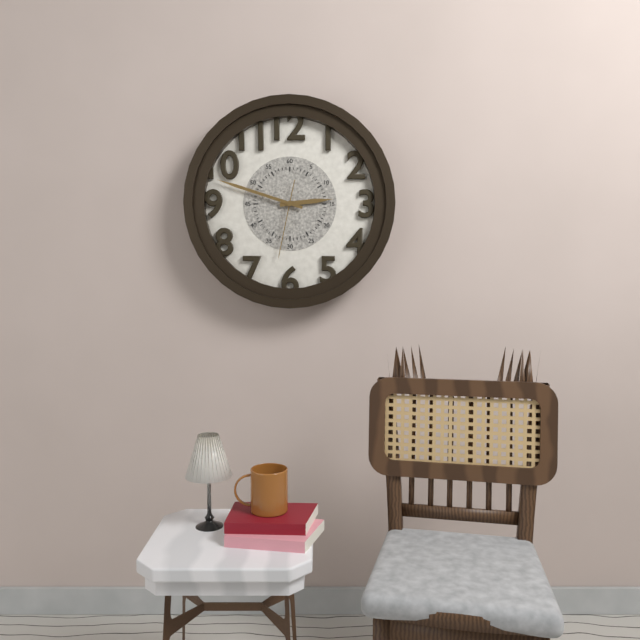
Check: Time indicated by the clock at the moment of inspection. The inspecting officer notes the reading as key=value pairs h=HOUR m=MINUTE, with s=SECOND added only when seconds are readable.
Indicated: h=2 m=48 s=32
